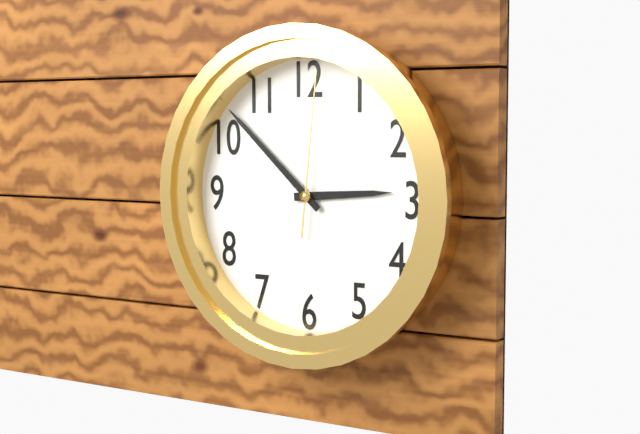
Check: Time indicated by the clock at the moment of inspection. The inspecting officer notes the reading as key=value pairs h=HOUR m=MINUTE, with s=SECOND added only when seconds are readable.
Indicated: h=2 m=52 s=1
